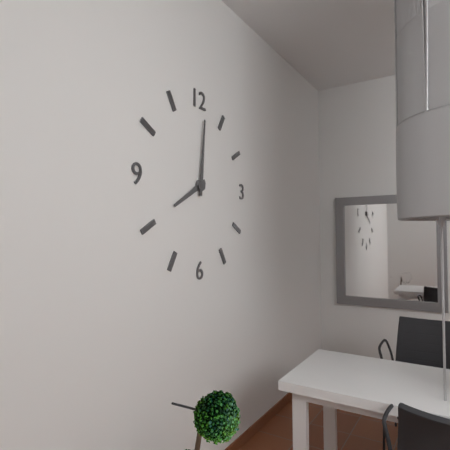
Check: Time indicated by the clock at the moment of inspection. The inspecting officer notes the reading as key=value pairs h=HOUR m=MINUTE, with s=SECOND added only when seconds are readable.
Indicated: h=8 m=1
